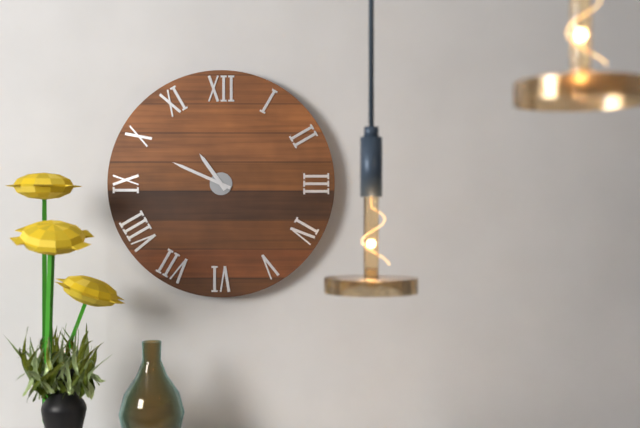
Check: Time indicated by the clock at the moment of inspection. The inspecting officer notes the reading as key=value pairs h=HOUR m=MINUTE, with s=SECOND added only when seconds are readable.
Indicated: h=10 m=49
